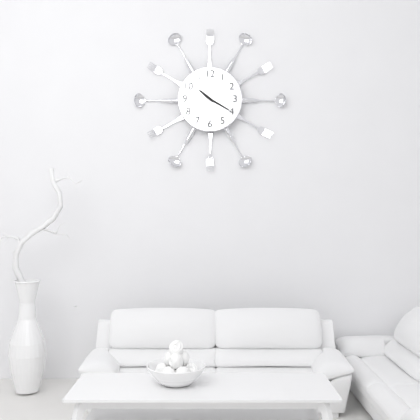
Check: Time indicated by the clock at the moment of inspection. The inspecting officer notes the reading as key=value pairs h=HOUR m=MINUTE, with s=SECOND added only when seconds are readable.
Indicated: h=10 m=20
